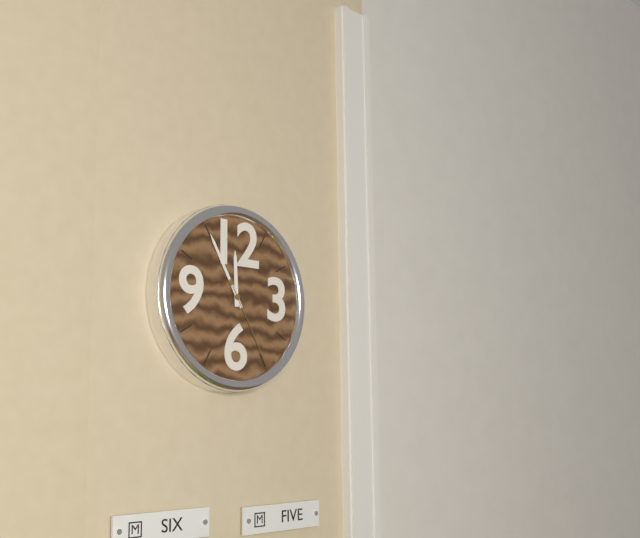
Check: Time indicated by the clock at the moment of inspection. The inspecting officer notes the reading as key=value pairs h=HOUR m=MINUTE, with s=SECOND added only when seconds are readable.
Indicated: h=11 m=55 s=25
